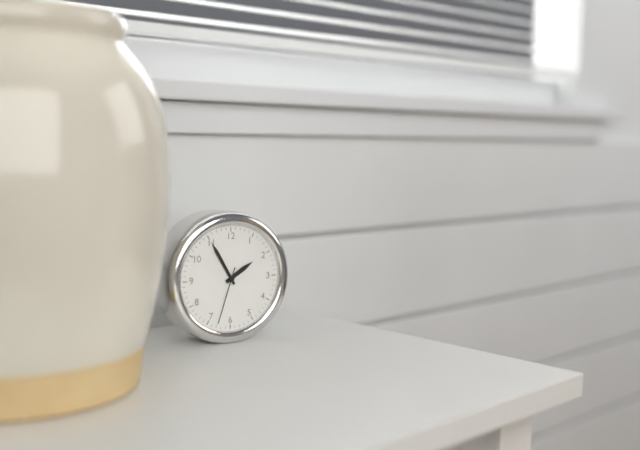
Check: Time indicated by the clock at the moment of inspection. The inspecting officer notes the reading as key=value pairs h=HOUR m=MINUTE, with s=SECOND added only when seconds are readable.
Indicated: h=1 m=55 s=33
